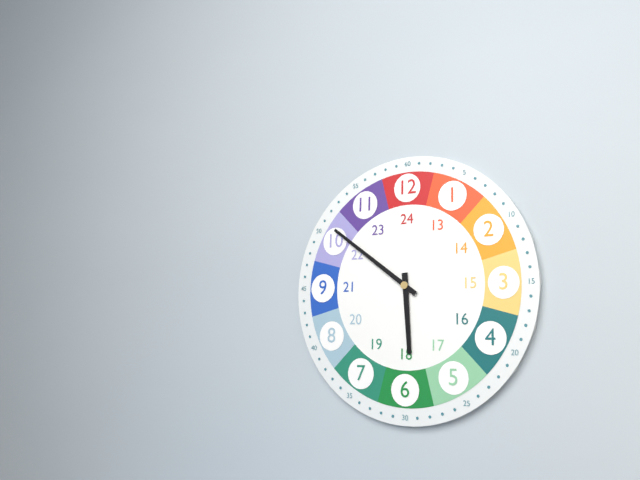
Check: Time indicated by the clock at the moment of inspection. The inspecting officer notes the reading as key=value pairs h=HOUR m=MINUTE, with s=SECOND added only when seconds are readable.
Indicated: h=5 m=51
